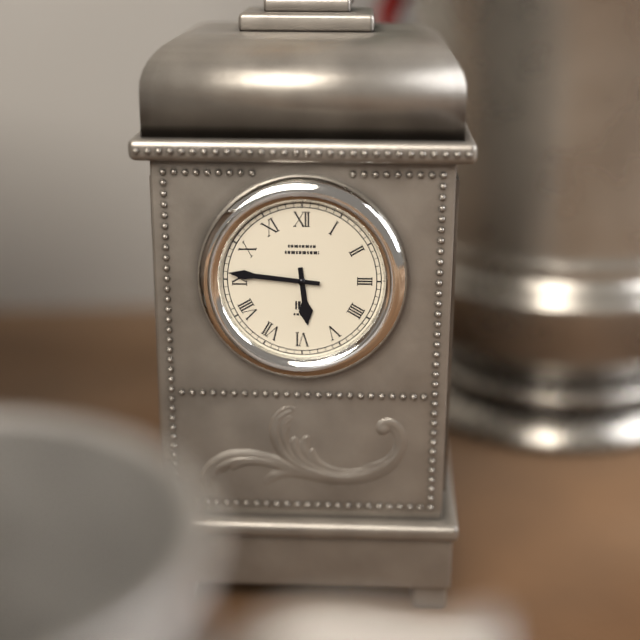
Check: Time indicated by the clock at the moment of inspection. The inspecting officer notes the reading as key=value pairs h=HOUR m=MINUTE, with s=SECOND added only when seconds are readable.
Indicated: h=5 m=46
